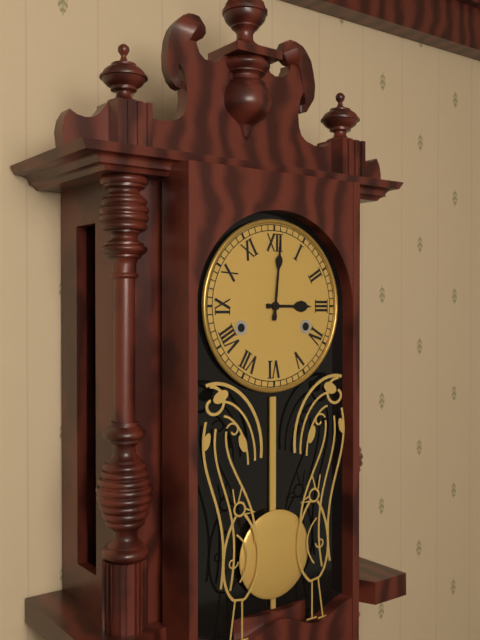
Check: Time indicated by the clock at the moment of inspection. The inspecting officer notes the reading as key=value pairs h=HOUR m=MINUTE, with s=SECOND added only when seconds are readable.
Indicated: h=3 m=1
